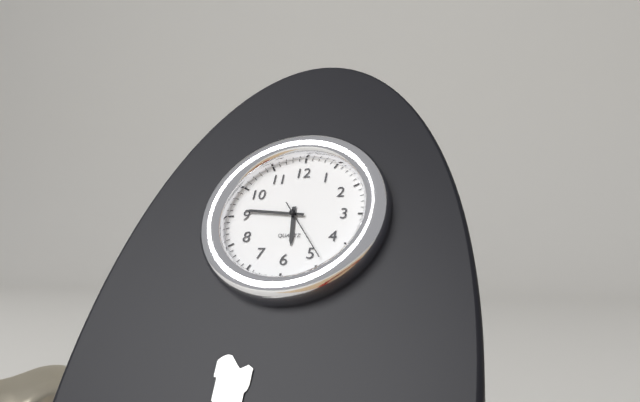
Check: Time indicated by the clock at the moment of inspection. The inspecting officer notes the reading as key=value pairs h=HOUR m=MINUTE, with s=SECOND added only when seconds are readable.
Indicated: h=5 m=46 s=24
